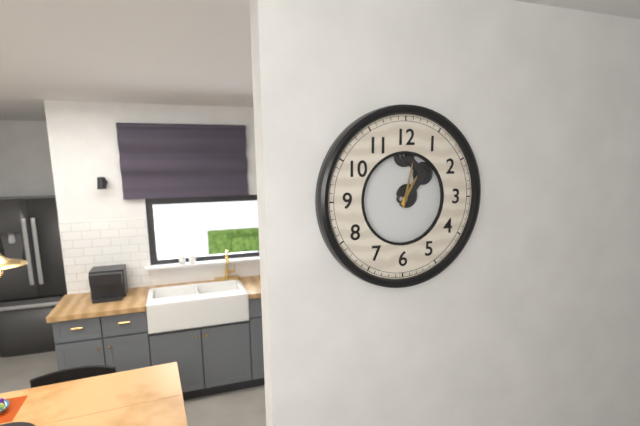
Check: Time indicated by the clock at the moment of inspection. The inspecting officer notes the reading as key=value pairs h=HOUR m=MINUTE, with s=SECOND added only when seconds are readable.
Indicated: h=1 m=2
